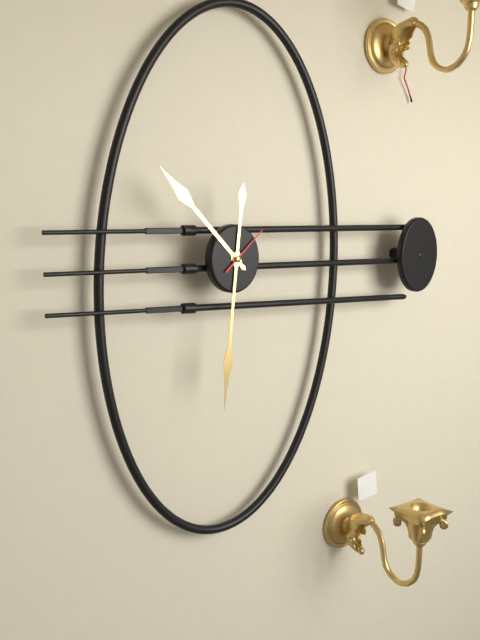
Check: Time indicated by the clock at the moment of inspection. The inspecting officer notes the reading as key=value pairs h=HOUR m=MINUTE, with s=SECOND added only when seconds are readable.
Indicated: h=10 m=31 s=8
